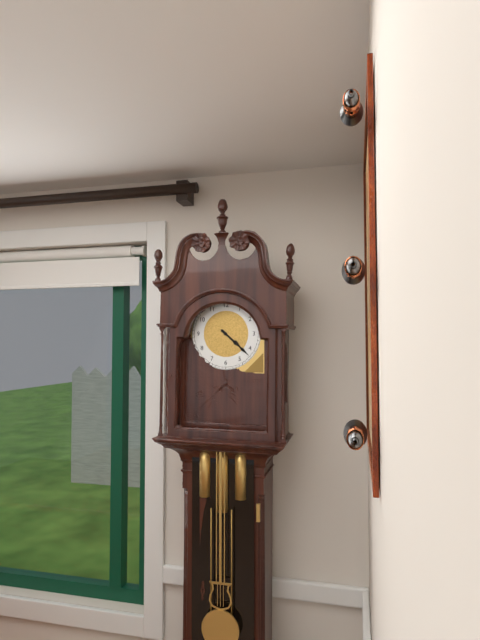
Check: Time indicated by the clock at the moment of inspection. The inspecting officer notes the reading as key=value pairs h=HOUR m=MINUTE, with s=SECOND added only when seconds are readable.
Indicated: h=4 m=22
